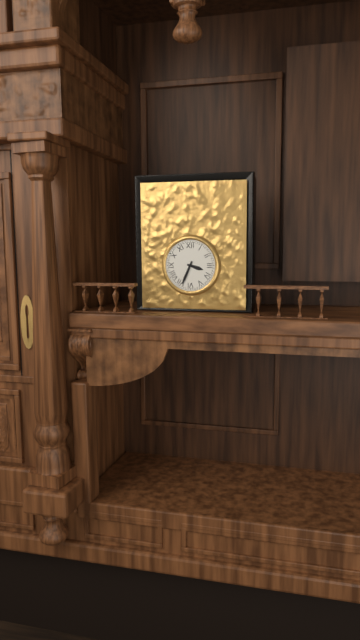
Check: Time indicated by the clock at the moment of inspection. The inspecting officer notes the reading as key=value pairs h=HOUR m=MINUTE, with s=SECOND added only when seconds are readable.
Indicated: h=3 m=34
